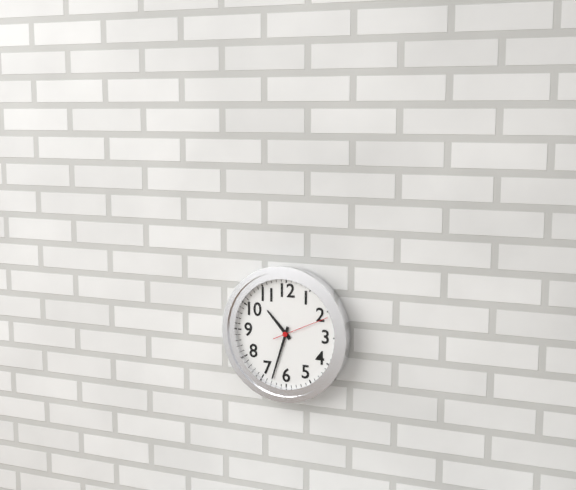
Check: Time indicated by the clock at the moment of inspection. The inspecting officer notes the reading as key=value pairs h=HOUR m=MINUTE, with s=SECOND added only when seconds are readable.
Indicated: h=10 m=33 s=11
